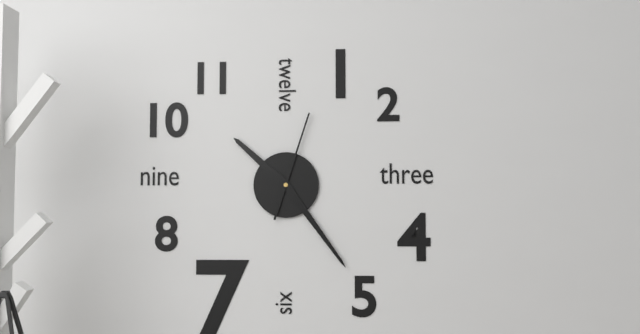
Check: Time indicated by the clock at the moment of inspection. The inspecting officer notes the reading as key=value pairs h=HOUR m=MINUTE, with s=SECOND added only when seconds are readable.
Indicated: h=10 m=24 s=3
